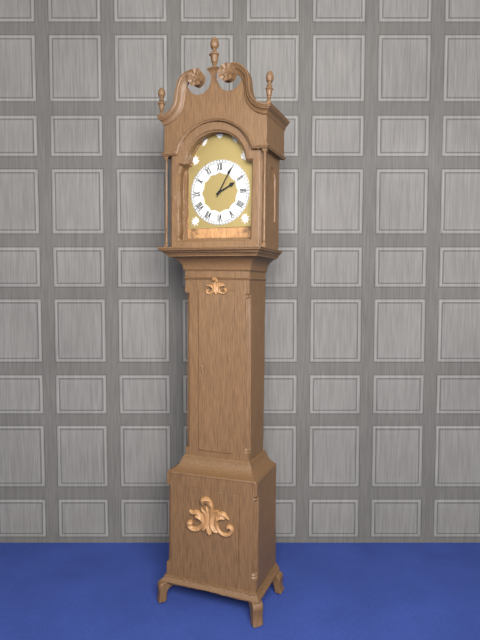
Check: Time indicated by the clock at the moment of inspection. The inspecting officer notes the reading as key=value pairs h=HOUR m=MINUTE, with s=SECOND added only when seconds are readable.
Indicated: h=2 m=5
